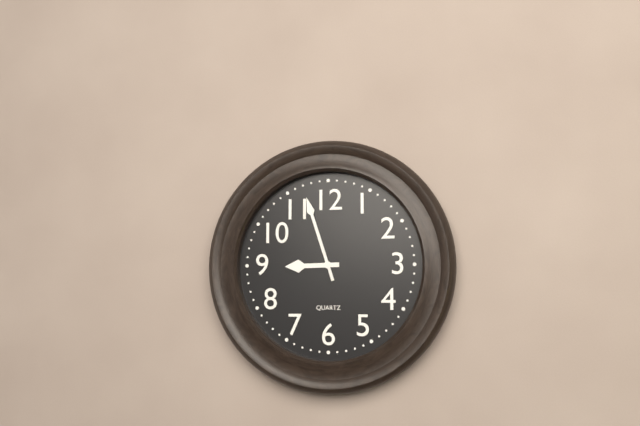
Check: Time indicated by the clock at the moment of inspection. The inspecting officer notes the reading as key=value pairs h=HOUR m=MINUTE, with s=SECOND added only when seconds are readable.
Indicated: h=8 m=57
